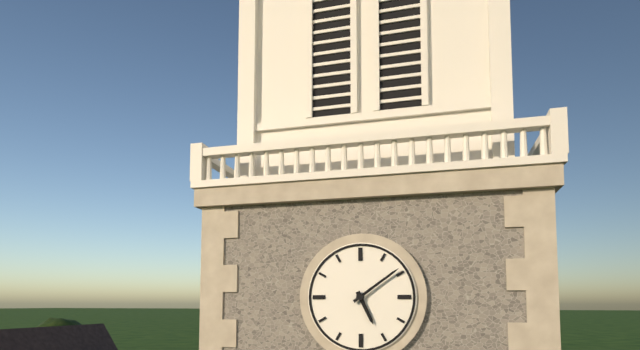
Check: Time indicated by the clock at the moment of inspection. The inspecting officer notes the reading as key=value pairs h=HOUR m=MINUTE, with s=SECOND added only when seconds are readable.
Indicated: h=5 m=9
